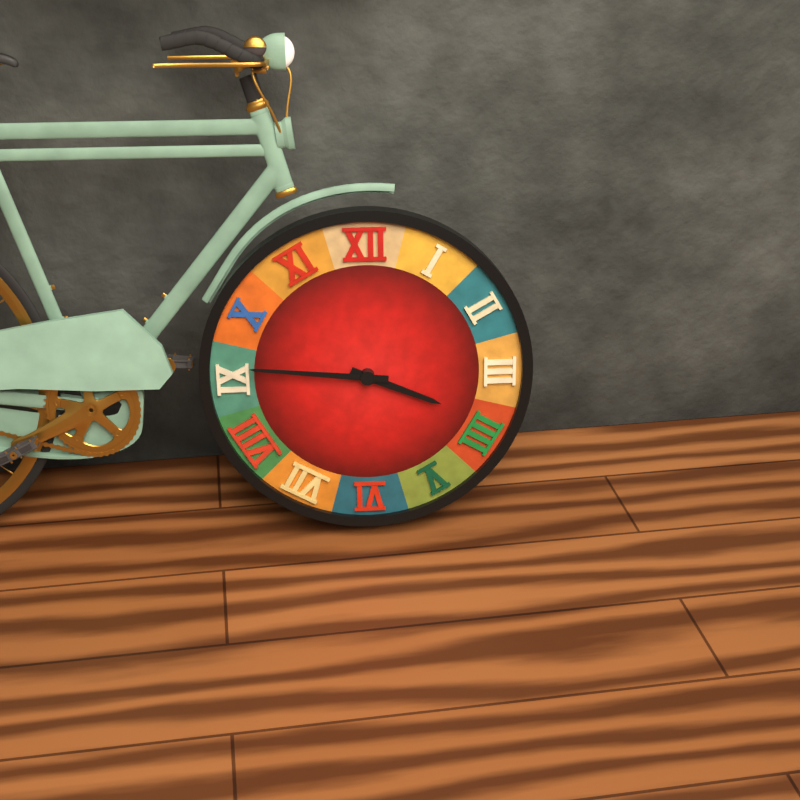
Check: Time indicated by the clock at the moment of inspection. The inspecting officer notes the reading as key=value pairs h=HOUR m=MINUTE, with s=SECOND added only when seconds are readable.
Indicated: h=3 m=46
